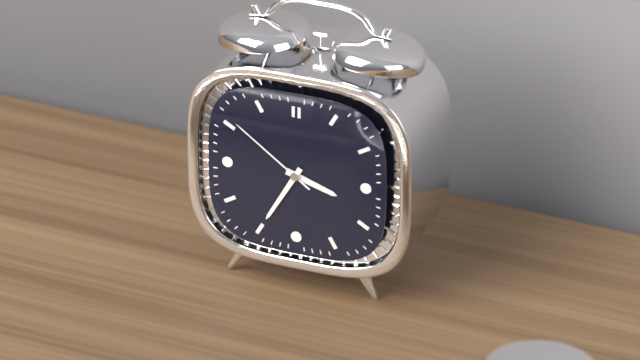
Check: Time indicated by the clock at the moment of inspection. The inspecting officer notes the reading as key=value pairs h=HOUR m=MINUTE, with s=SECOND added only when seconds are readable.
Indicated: h=3 m=35 s=51
